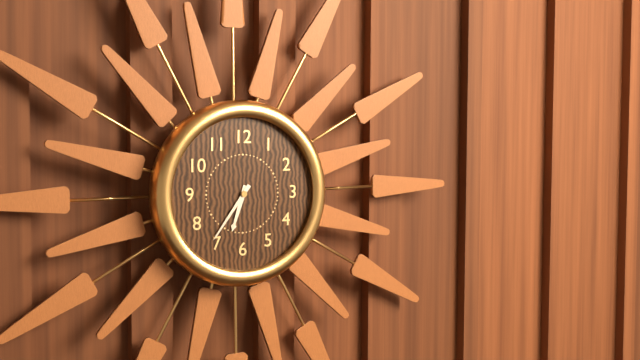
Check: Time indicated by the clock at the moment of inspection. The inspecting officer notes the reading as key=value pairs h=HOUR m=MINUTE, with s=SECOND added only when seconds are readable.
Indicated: h=6 m=36
